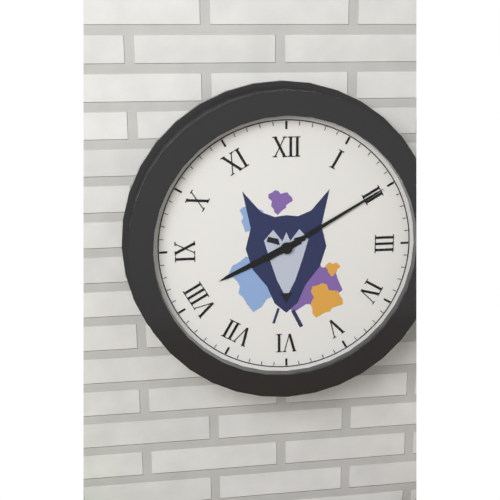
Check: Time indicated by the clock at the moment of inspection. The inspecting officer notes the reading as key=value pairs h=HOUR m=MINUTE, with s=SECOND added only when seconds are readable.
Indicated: h=8 m=10
